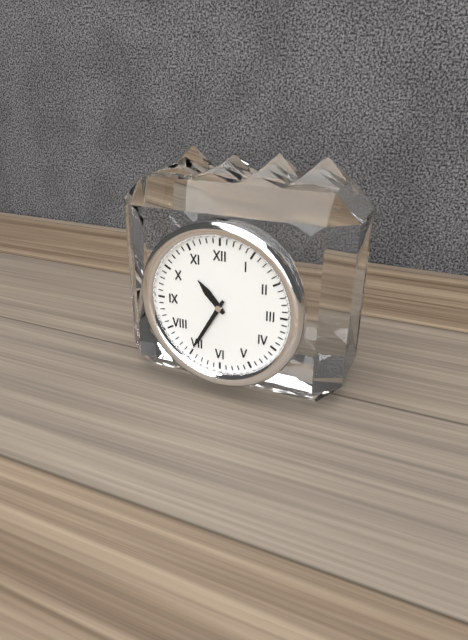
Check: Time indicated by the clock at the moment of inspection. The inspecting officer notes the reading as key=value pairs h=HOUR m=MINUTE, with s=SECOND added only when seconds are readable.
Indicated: h=10 m=35
